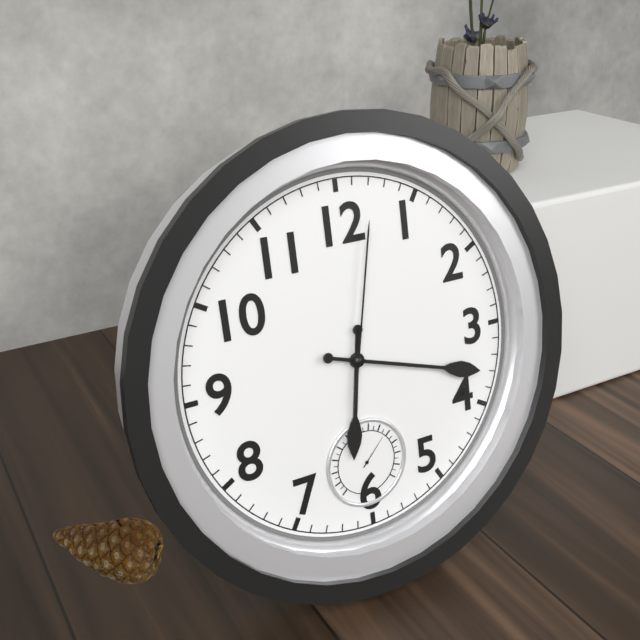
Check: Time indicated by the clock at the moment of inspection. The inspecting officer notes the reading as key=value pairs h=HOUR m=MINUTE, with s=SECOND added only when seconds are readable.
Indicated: h=6 m=18 s=2
